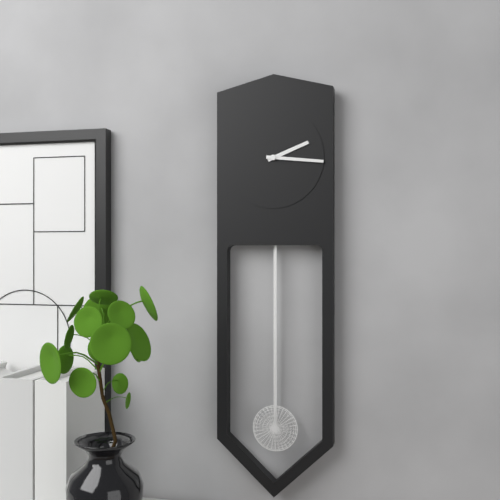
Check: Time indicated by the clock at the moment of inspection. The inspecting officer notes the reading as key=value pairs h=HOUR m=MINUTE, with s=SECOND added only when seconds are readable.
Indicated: h=2 m=16
